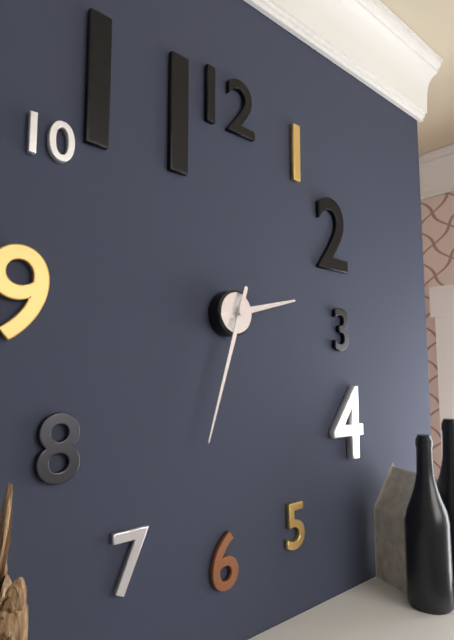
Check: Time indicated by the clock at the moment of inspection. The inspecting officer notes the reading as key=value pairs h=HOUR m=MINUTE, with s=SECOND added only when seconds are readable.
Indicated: h=2 m=33
